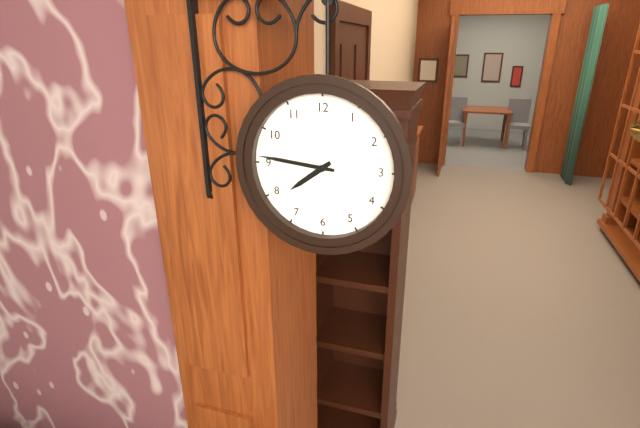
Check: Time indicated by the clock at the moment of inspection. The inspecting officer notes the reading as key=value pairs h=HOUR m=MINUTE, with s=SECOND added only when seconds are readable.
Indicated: h=7 m=46
